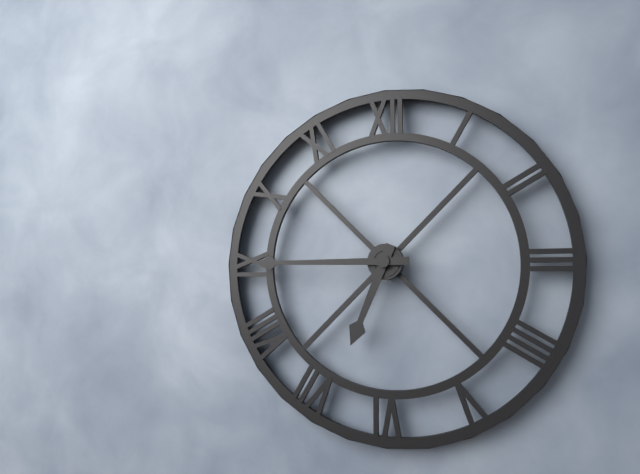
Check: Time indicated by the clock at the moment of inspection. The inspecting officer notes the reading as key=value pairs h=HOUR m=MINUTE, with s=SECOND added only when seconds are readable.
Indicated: h=6 m=45
